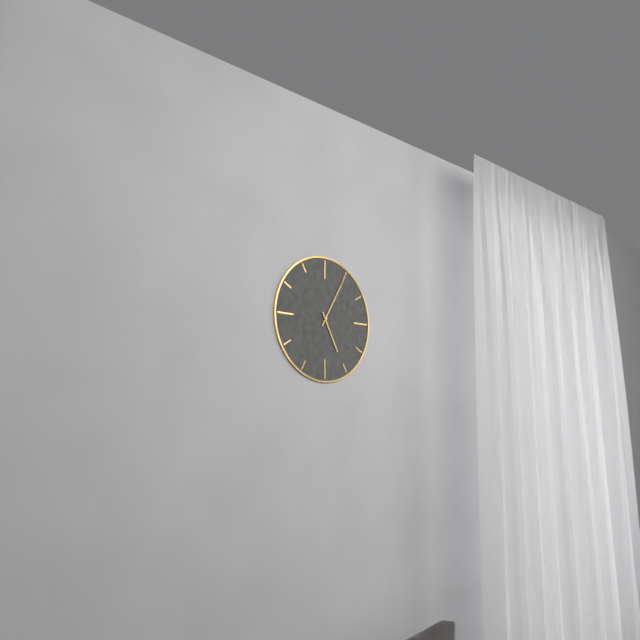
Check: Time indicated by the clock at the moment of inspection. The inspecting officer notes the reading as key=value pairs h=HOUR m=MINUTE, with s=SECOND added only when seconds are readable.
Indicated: h=5 m=5
